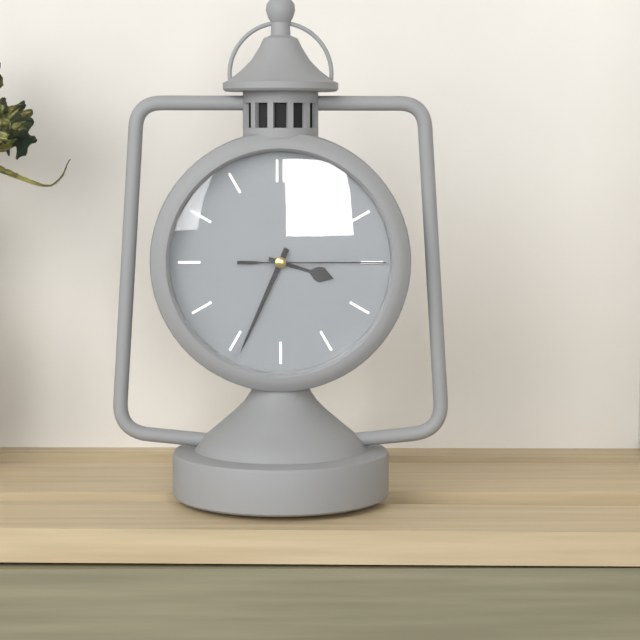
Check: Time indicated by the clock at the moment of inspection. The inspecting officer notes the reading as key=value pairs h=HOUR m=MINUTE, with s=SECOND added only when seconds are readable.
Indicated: h=3 m=34 s=15
